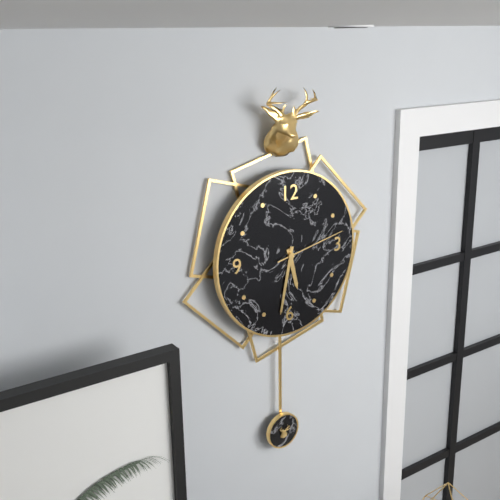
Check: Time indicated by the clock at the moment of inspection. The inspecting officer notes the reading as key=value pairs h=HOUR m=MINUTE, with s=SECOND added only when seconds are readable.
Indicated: h=5 m=32 s=13
